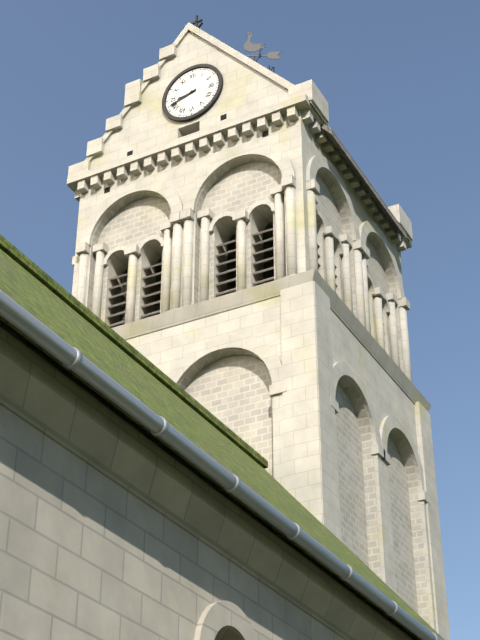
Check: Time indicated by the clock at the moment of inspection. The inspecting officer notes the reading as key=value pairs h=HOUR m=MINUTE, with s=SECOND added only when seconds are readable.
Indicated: h=8 m=42
